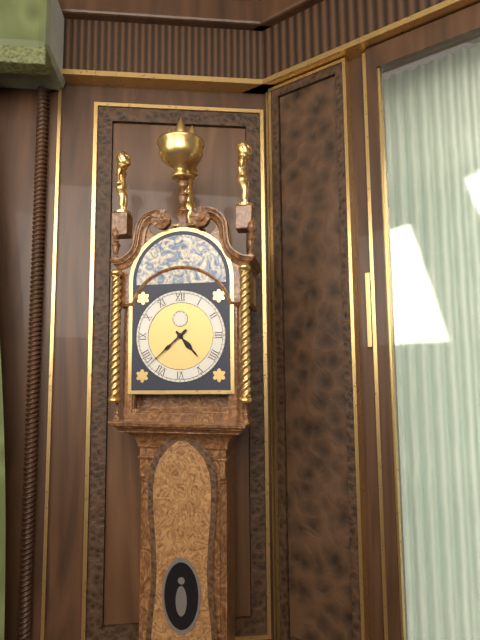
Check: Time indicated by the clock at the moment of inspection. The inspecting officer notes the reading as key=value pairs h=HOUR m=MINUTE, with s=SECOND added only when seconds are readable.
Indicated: h=4 m=38
